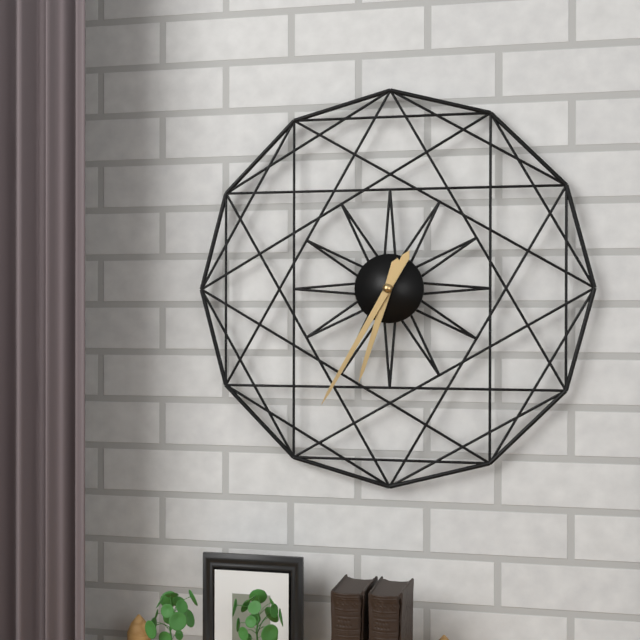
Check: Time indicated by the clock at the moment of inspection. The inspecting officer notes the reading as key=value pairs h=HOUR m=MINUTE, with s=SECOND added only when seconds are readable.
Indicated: h=6 m=35
